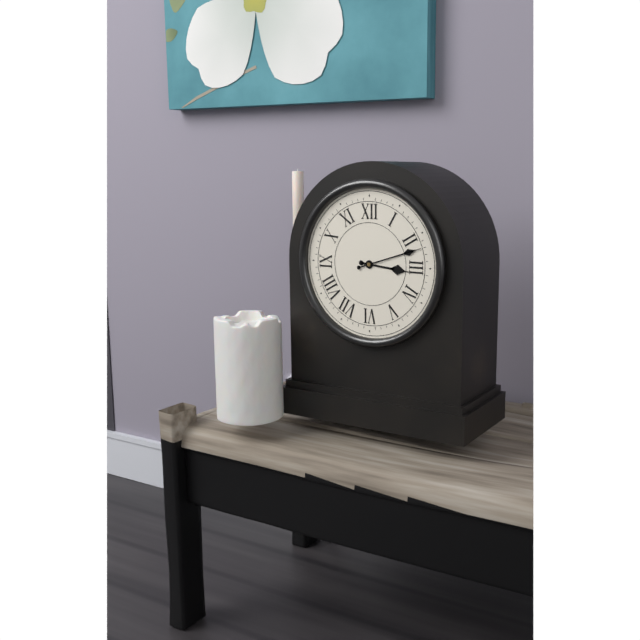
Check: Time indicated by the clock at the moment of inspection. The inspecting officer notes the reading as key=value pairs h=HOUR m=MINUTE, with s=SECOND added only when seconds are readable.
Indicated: h=3 m=12
